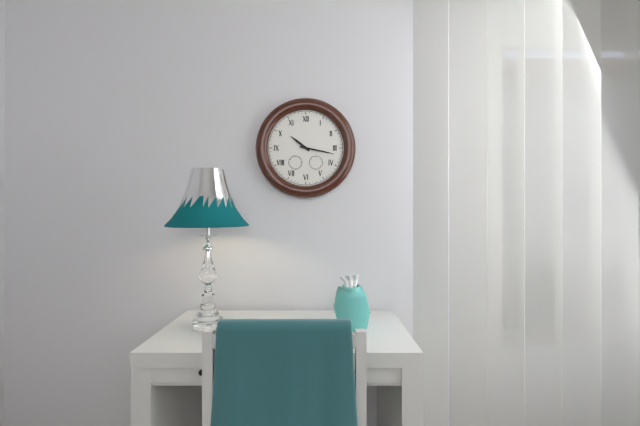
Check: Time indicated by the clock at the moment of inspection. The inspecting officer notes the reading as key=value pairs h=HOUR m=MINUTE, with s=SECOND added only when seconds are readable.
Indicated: h=10 m=17
